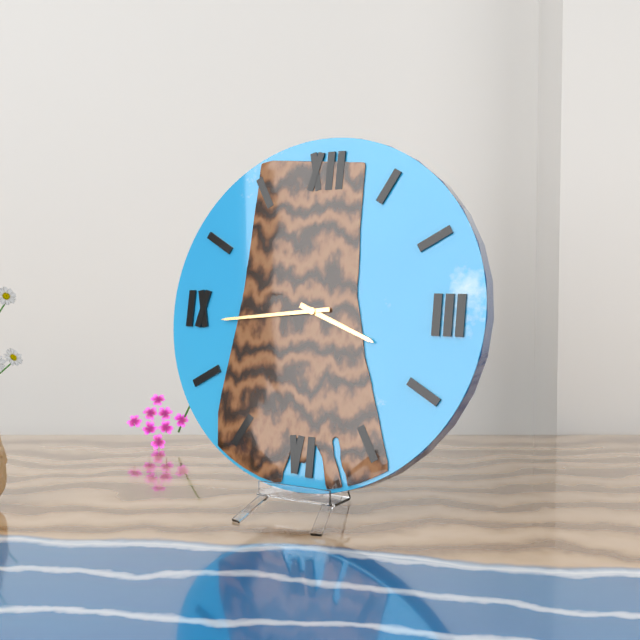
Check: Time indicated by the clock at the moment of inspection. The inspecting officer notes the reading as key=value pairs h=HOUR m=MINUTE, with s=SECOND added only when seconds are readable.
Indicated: h=3 m=44
